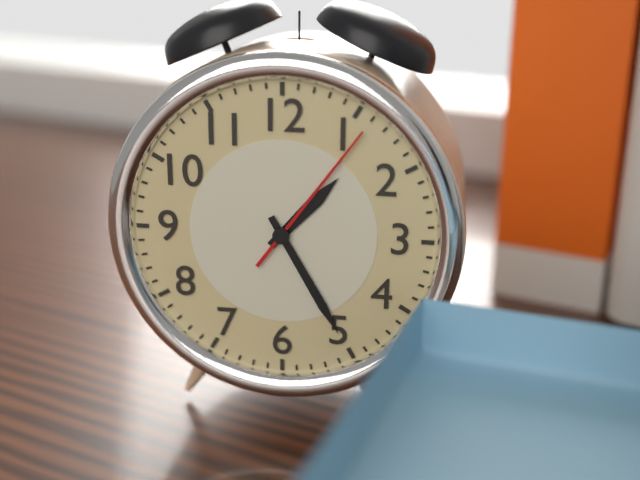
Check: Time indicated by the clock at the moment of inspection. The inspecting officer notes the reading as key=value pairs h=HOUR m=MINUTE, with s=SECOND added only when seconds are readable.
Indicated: h=1 m=25 s=6
